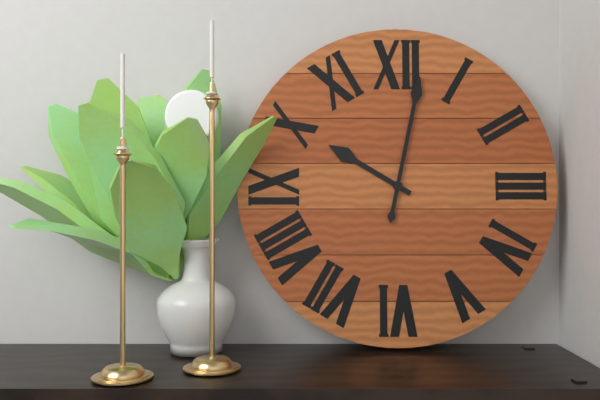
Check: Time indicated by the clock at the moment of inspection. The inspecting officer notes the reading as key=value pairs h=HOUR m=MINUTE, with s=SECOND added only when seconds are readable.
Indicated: h=10 m=2
